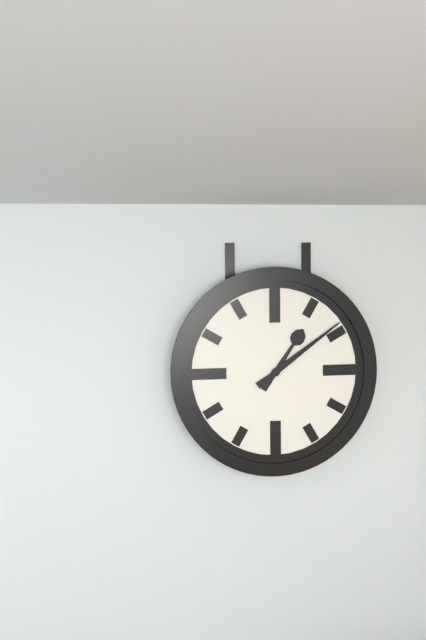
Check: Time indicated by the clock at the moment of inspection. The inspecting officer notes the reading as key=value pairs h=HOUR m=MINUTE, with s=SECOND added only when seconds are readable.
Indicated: h=1 m=9
